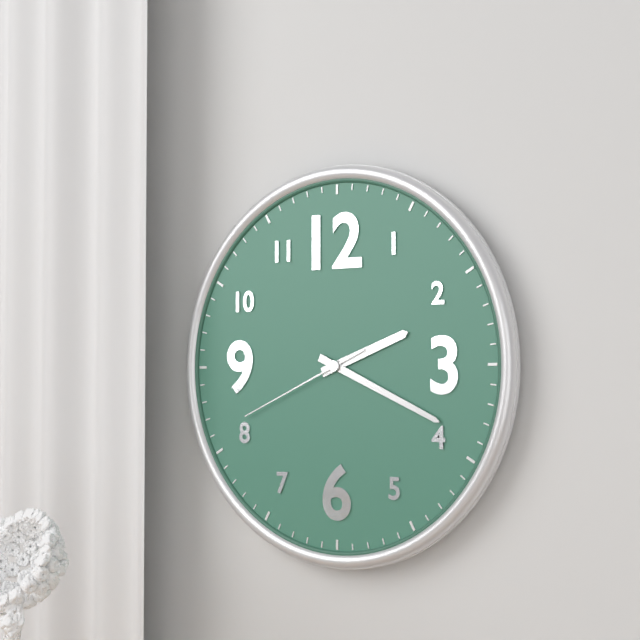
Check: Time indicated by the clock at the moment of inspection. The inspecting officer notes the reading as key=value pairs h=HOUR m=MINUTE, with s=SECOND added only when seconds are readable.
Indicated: h=2 m=19 s=41
